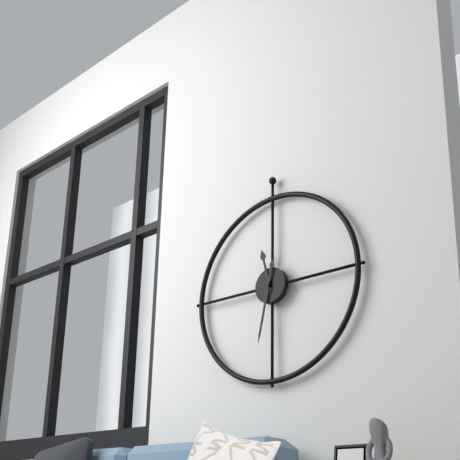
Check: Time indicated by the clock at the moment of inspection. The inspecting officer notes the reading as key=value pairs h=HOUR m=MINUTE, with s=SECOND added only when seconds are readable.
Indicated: h=11 m=32
